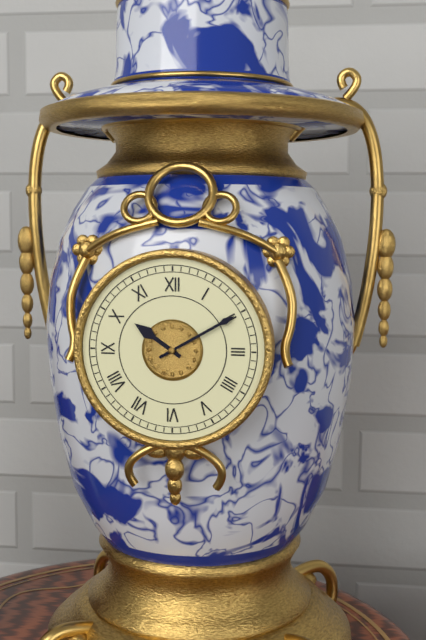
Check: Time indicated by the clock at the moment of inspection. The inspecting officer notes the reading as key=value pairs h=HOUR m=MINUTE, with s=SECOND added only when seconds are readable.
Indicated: h=10 m=10
